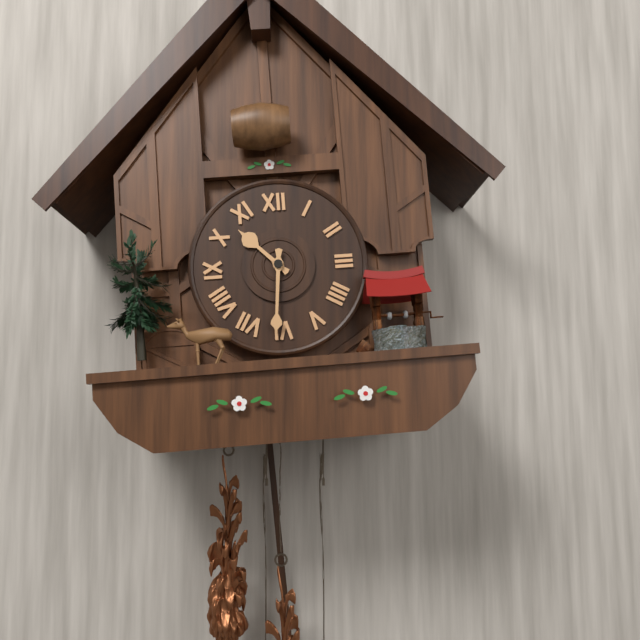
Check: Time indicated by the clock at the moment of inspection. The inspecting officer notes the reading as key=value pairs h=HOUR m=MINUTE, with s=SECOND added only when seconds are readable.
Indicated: h=10 m=31
